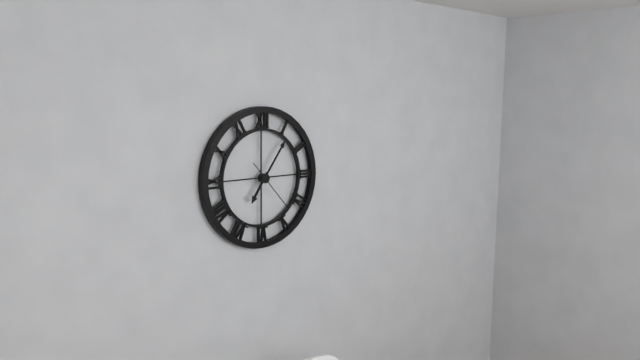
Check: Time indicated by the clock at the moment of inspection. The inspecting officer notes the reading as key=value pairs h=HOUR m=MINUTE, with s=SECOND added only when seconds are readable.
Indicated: h=7 m=6
